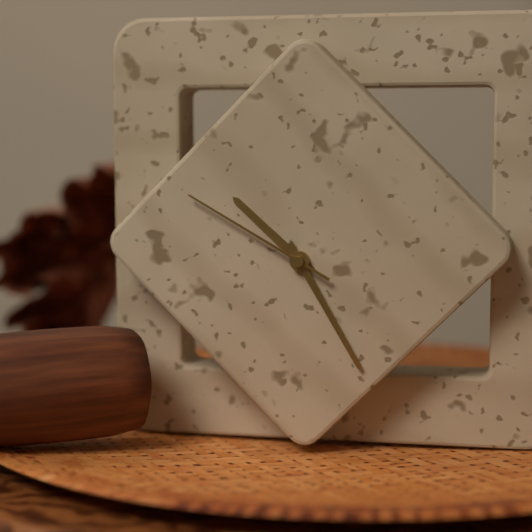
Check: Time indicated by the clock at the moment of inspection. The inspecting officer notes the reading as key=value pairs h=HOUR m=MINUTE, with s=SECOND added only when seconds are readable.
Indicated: h=10 m=25 s=50
